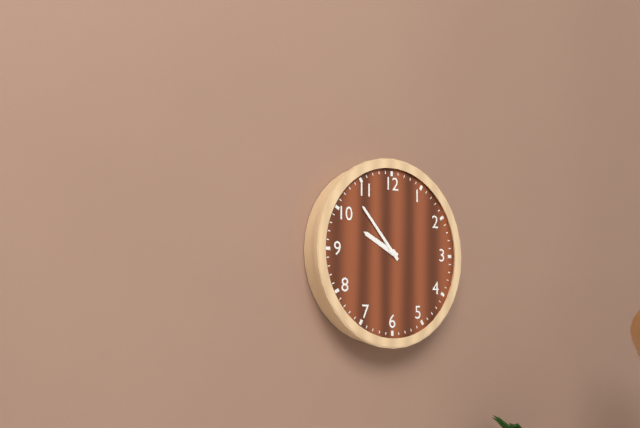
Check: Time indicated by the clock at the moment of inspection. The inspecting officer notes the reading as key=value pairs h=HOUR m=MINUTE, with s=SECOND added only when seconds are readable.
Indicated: h=9 m=53
